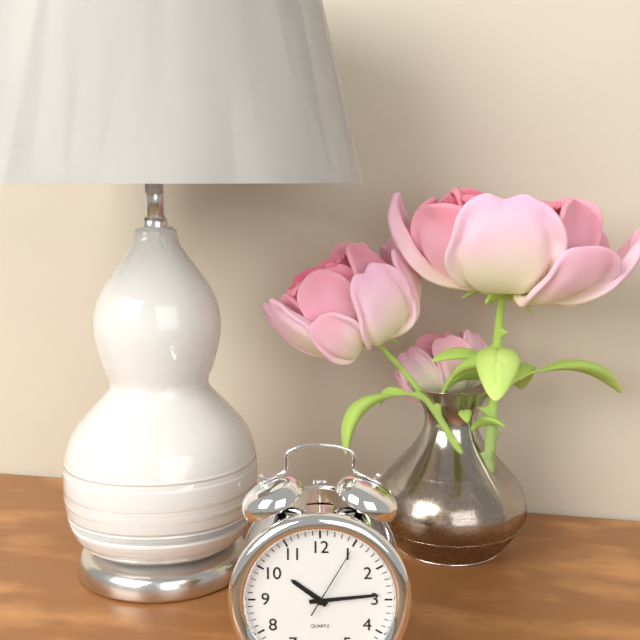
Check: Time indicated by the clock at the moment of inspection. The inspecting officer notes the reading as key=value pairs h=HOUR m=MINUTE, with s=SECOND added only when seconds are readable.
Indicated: h=10 m=14 s=5
